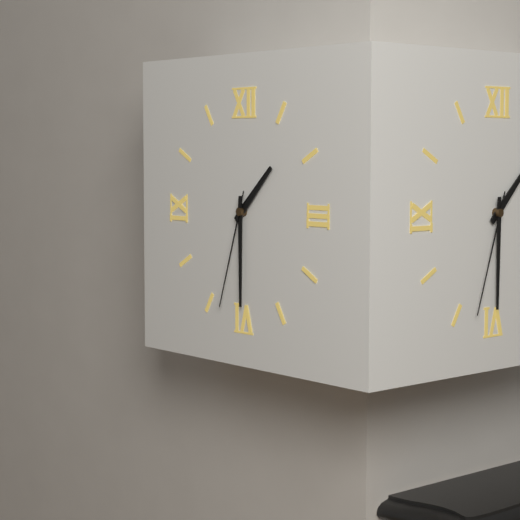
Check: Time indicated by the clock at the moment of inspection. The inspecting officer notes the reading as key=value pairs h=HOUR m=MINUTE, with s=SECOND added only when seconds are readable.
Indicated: h=1 m=30 s=33
